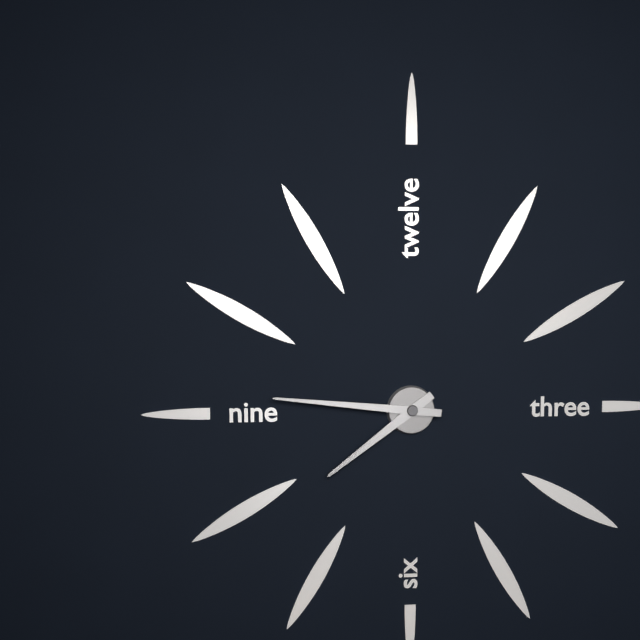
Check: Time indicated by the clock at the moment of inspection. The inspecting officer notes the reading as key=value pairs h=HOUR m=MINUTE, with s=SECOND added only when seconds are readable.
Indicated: h=7 m=46
